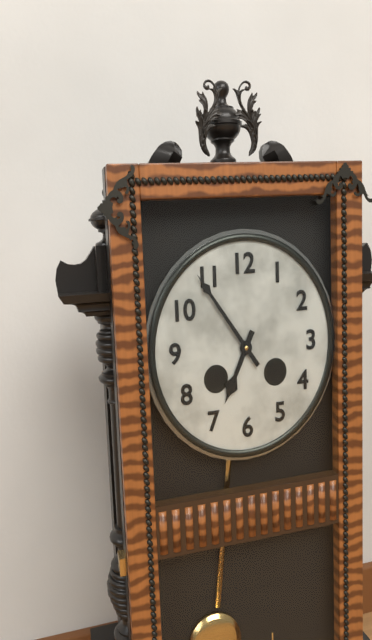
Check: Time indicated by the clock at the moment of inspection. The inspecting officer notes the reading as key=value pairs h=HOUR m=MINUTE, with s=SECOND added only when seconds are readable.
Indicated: h=6 m=54
